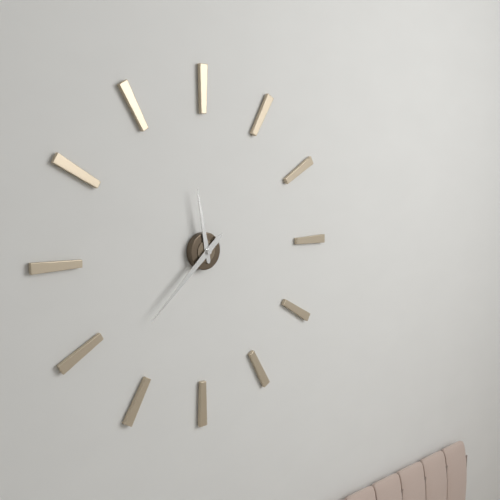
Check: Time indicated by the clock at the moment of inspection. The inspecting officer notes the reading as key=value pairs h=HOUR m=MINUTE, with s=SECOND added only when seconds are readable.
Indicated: h=11 m=38
